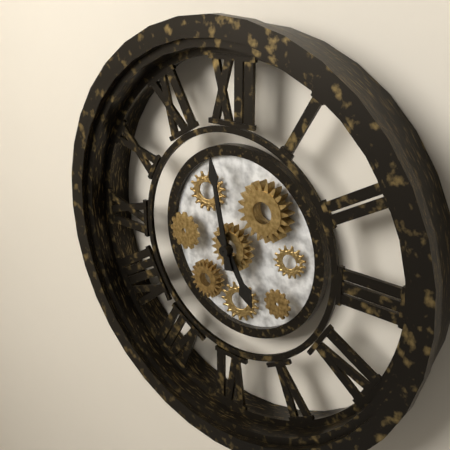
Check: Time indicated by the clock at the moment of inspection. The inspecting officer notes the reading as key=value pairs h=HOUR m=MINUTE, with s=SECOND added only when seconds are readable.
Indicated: h=4 m=58
